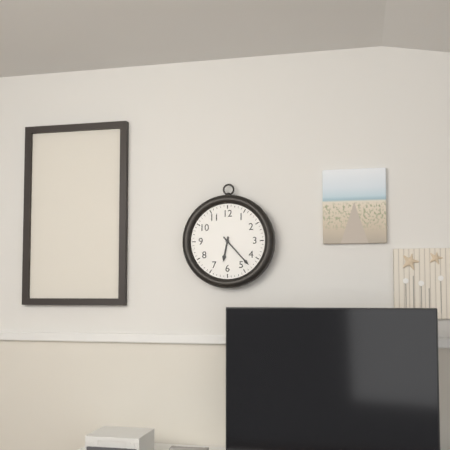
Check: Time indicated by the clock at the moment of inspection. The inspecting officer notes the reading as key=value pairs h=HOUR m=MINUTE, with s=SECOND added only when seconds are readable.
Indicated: h=6 m=23
